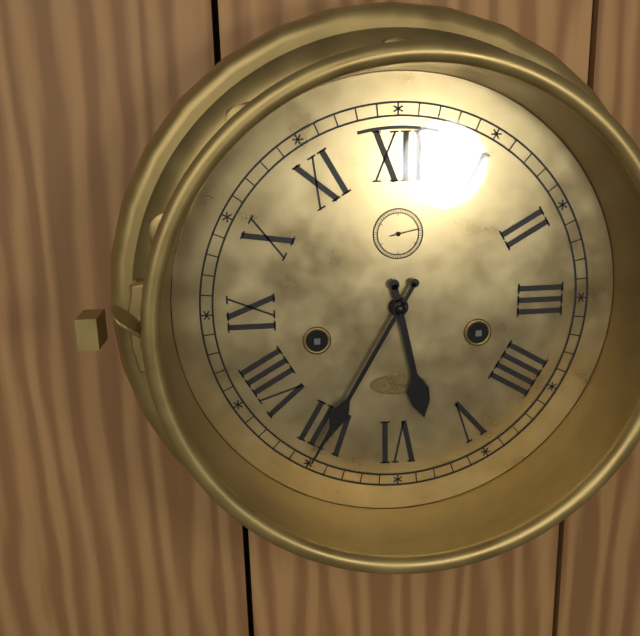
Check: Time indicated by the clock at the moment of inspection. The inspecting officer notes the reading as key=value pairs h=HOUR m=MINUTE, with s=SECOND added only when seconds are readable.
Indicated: h=5 m=35
